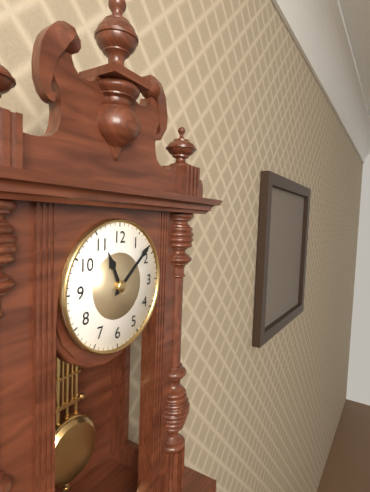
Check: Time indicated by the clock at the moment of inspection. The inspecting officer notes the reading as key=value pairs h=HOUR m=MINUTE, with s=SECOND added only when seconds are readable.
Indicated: h=11 m=8
